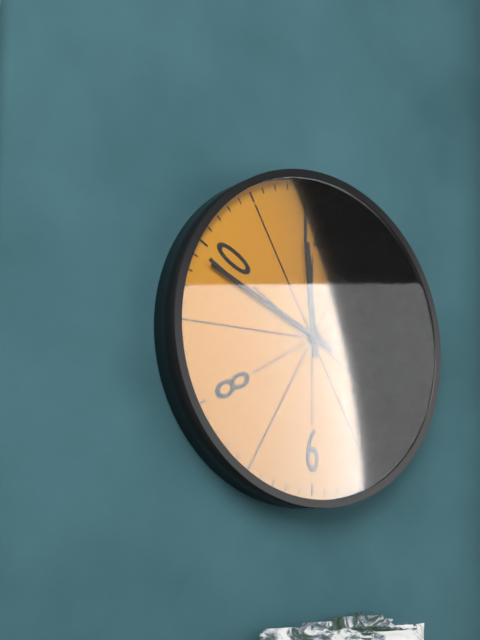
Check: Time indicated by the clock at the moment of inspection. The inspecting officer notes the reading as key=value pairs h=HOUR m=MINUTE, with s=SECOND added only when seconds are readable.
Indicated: h=11 m=49
